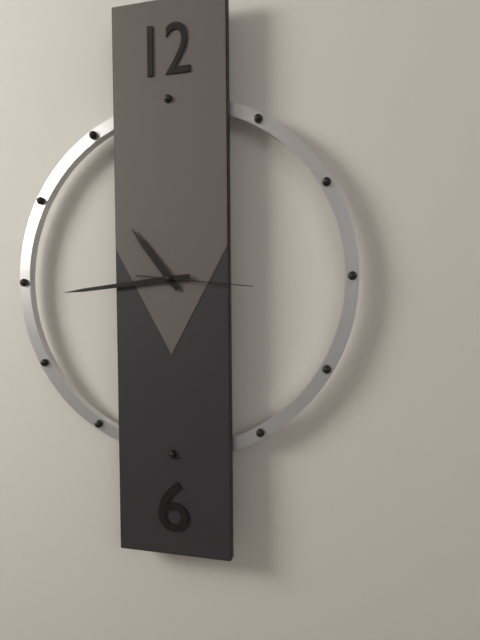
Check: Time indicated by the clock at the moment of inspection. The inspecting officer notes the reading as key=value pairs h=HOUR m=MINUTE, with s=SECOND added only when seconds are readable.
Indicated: h=10 m=44 s=16
